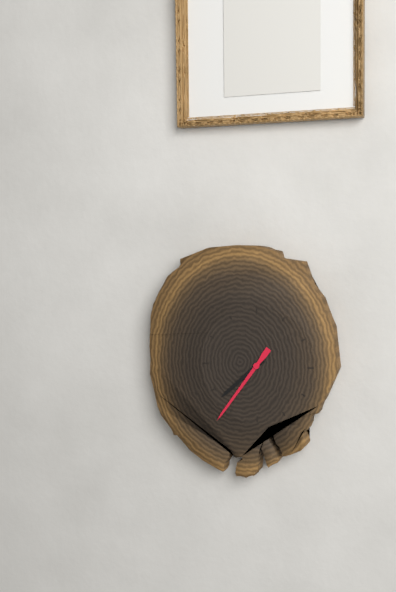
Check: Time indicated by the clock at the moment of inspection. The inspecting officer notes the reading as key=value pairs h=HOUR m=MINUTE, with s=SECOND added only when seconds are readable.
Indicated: h=7 m=36
